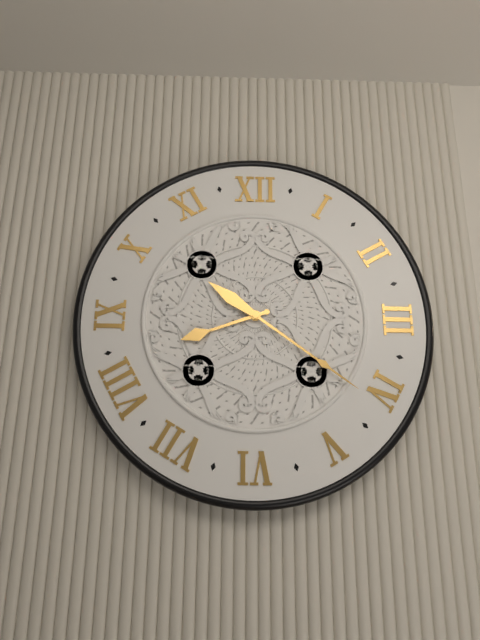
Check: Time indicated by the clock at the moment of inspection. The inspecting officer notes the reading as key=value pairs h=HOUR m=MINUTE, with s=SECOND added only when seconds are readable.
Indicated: h=8 m=21
